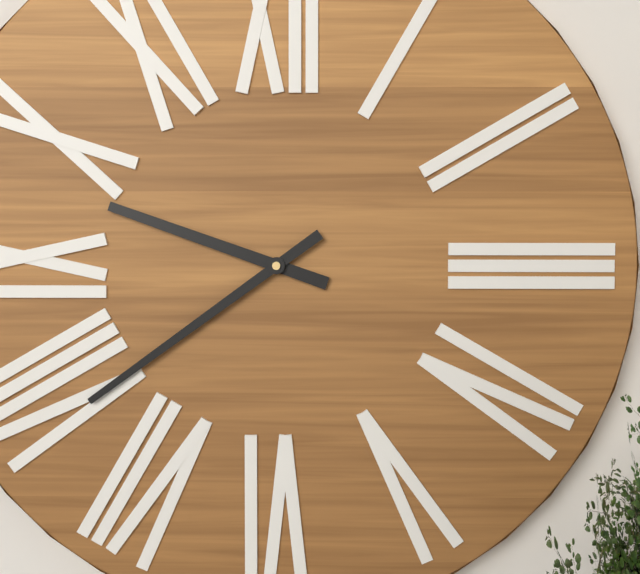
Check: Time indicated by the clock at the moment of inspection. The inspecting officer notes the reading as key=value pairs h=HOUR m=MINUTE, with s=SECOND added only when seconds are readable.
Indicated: h=9 m=39
